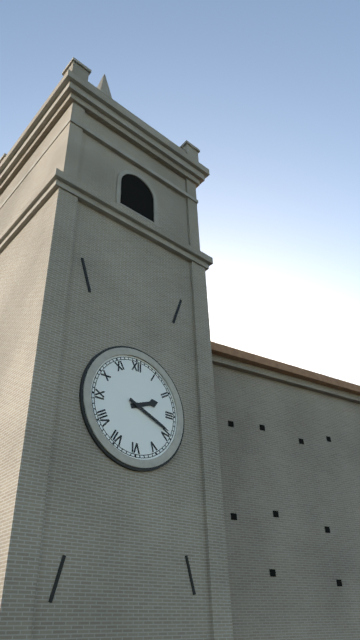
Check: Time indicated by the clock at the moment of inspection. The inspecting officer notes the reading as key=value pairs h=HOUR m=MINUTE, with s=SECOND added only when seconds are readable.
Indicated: h=2 m=19
